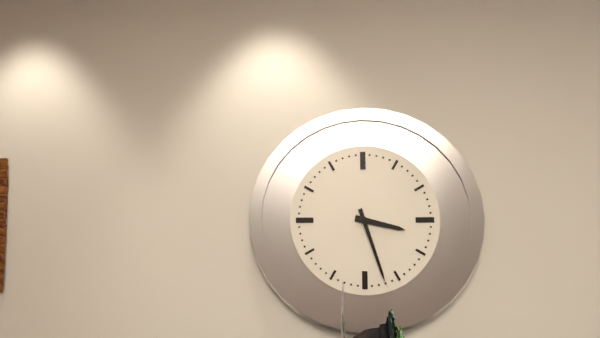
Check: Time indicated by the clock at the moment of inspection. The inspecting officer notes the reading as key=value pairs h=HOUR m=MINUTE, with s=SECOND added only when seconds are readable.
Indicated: h=3 m=27
